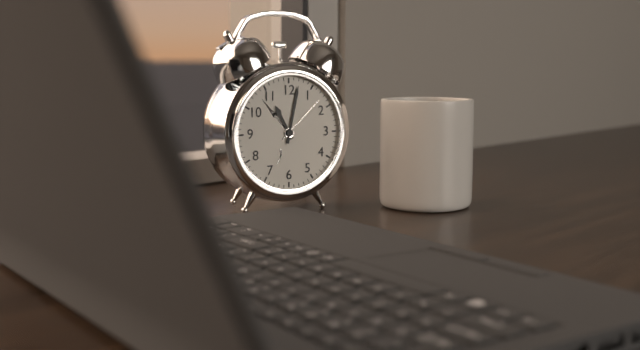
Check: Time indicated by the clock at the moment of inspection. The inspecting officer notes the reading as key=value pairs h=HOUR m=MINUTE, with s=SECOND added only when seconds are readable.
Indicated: h=11 m=2
